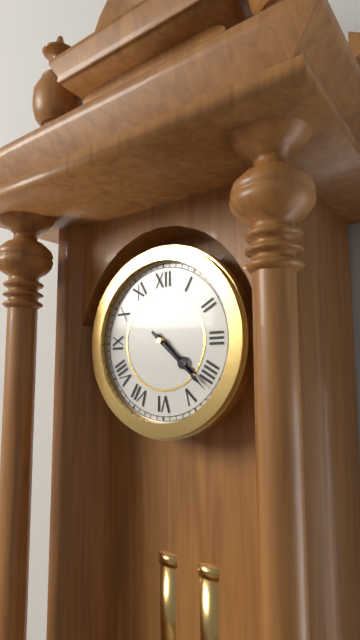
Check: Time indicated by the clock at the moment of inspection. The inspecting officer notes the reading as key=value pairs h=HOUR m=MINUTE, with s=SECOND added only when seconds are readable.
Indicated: h=4 m=22
